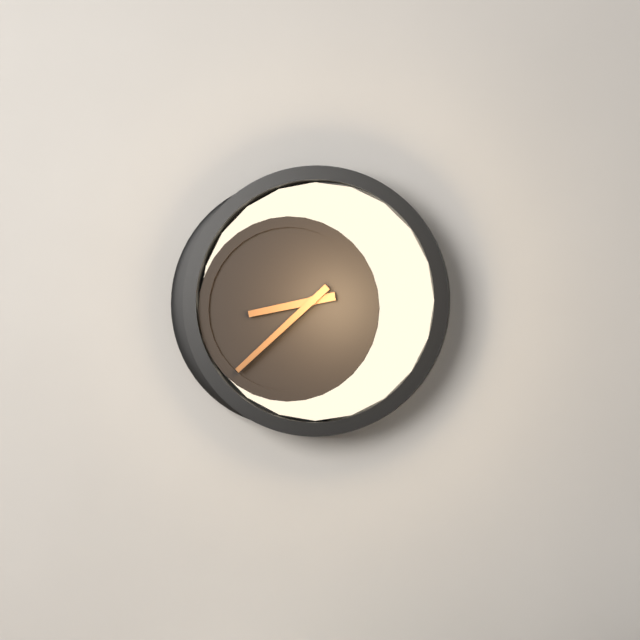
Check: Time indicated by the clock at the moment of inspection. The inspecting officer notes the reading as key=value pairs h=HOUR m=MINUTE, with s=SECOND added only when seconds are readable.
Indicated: h=8 m=38
